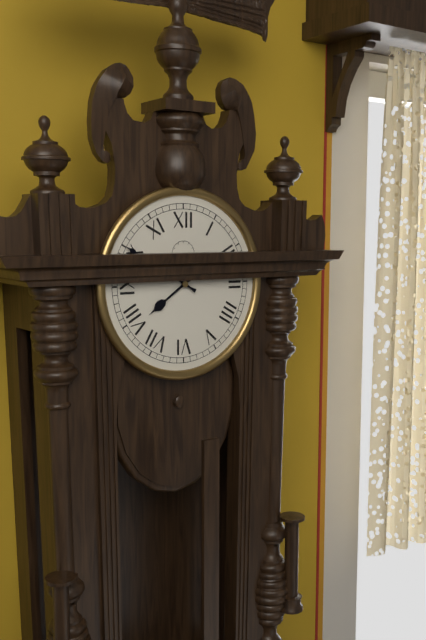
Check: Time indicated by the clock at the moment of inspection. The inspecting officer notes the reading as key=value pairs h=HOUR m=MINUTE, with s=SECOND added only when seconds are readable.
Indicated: h=7 m=50
